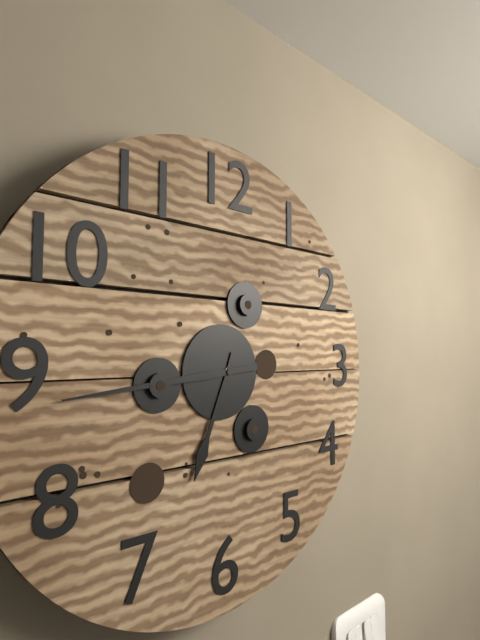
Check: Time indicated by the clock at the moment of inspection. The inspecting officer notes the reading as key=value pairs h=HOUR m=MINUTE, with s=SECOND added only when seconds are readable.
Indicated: h=6 m=44
